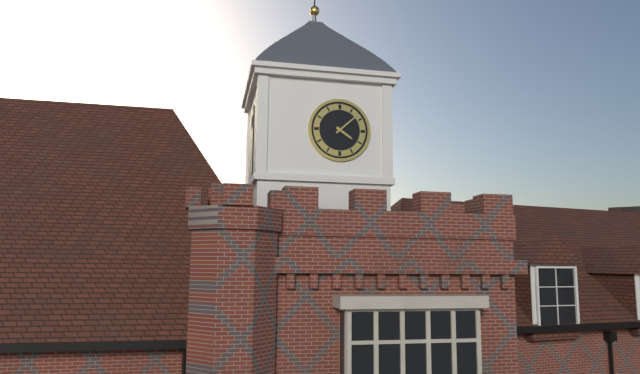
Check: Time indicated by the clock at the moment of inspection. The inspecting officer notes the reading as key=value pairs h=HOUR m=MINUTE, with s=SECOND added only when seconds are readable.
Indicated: h=4 m=8
